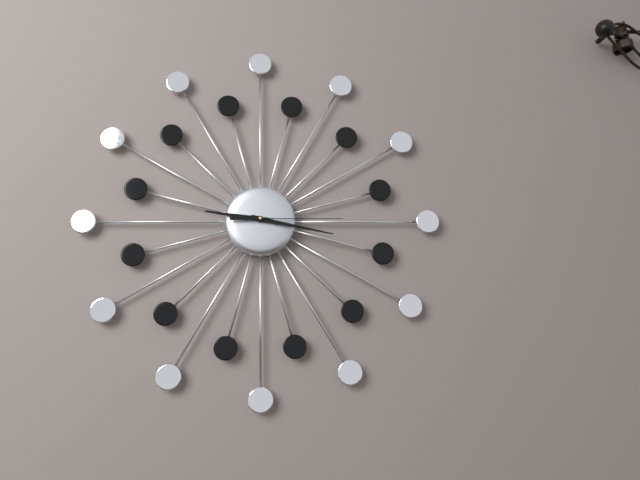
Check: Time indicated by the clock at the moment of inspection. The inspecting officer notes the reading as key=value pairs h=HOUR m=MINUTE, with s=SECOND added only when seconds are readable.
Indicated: h=9 m=17 s=15
